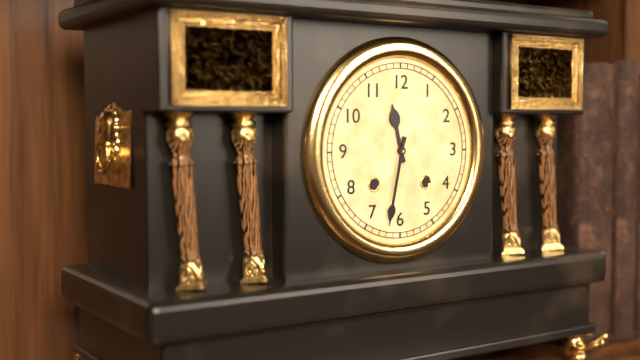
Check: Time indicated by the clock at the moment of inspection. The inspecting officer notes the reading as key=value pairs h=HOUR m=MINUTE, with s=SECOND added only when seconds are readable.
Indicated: h=11 m=32
